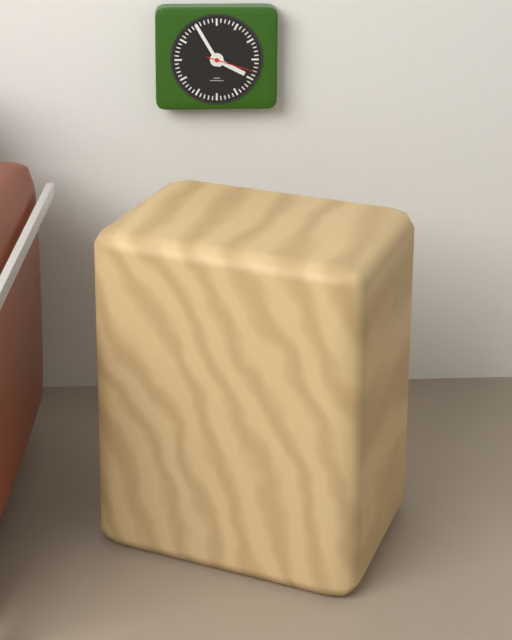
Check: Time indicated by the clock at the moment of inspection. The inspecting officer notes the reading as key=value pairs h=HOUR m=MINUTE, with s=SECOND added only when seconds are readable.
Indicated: h=3 m=55 s=18
